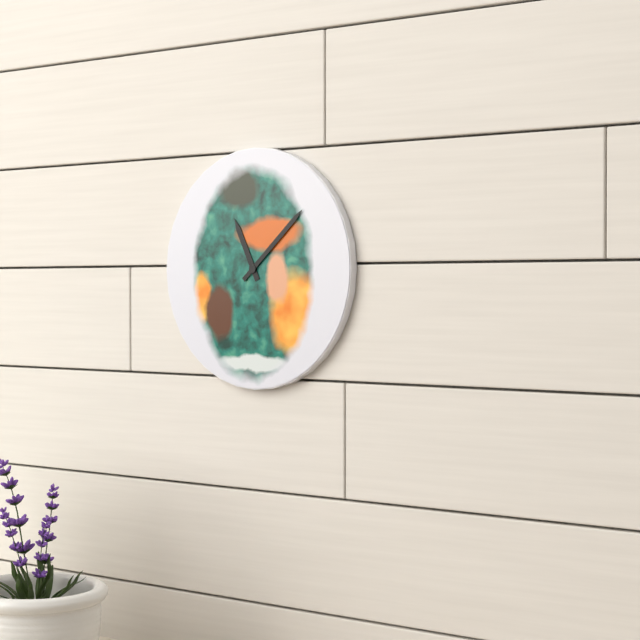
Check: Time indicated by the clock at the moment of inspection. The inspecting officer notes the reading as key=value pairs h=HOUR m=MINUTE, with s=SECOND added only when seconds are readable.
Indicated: h=11 m=8
